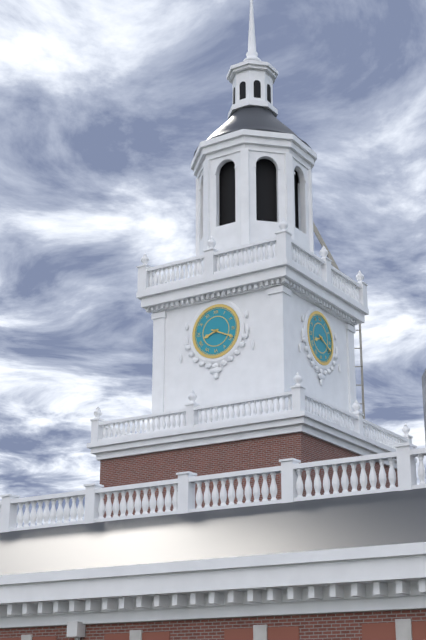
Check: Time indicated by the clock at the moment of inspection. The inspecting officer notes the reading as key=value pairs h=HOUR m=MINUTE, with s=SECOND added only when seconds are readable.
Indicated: h=8 m=19
